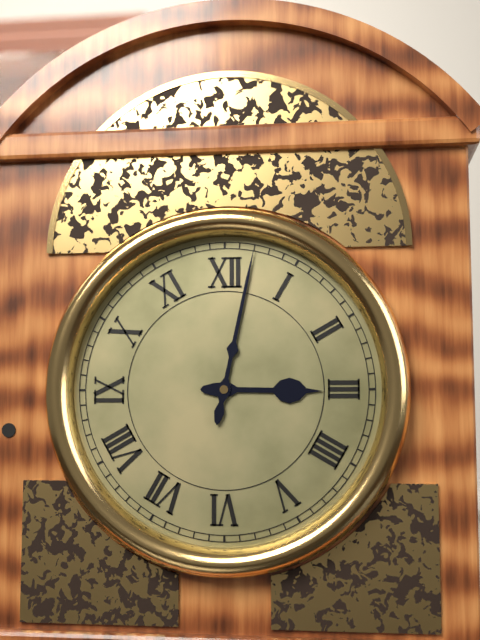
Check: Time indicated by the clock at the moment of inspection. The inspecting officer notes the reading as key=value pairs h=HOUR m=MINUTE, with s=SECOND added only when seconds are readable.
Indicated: h=3 m=2
